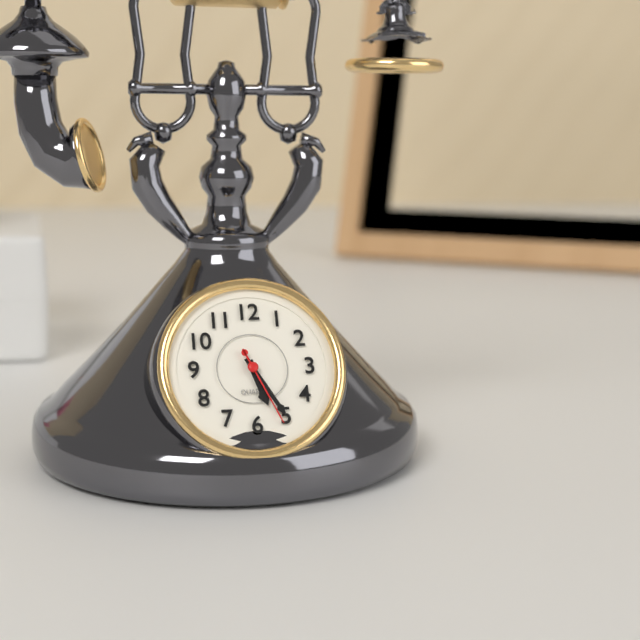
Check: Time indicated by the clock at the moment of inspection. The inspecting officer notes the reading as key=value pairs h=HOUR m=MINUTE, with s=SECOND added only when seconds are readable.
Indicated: h=5 m=25 s=26
